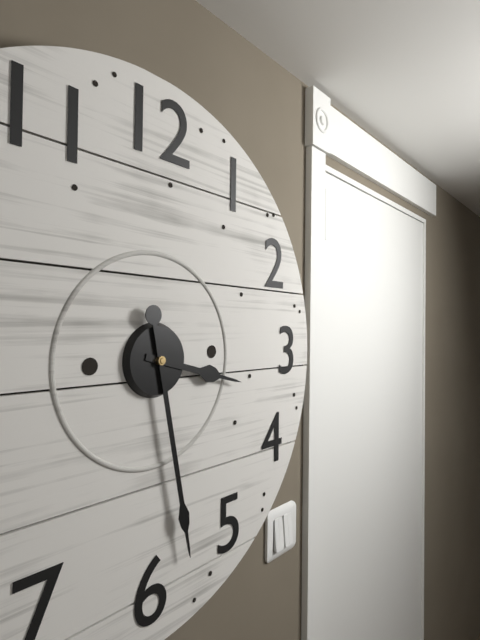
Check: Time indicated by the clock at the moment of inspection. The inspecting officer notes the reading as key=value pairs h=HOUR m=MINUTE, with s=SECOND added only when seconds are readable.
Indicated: h=3 m=28
